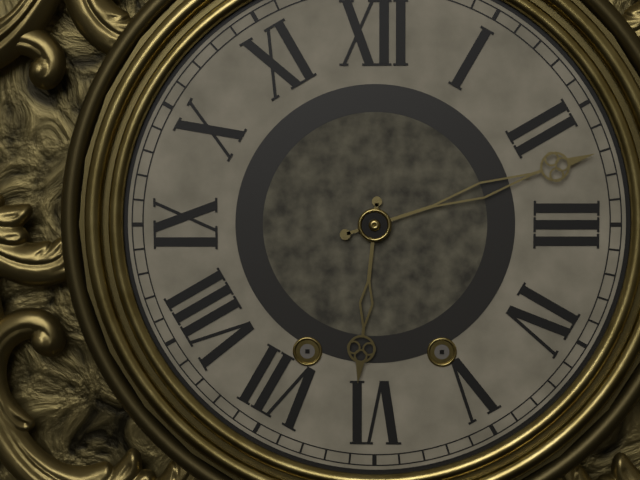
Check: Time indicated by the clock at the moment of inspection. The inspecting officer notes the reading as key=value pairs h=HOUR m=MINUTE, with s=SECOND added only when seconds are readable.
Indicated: h=6 m=12
